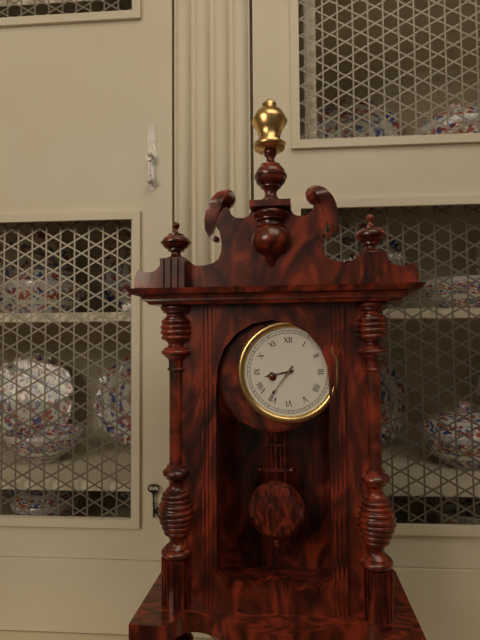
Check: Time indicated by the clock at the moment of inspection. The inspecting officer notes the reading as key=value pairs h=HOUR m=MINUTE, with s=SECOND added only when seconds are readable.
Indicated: h=8 m=36
